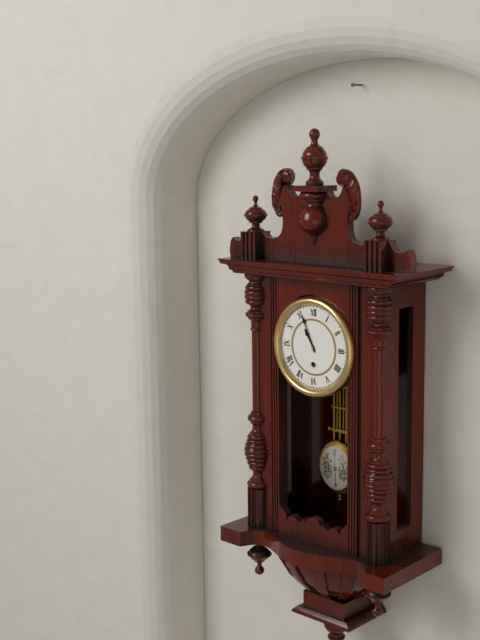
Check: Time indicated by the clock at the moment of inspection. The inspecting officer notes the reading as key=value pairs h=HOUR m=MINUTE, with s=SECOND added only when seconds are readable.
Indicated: h=10 m=56
